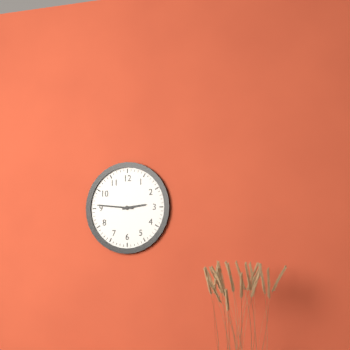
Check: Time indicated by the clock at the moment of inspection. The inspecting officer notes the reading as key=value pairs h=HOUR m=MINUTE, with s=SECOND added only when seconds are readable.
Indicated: h=2 m=46
